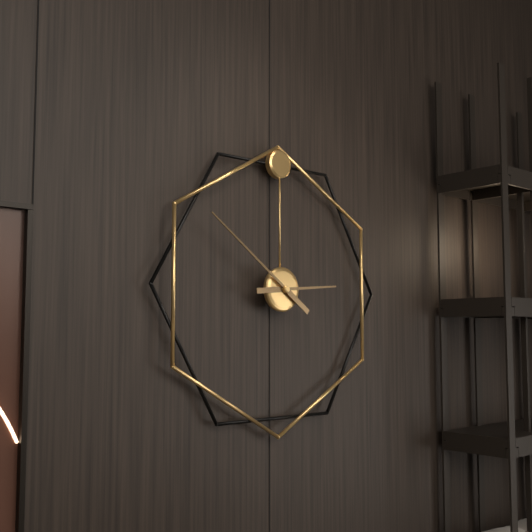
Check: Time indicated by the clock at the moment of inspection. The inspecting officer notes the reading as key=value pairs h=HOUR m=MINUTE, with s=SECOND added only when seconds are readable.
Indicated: h=2 m=51
